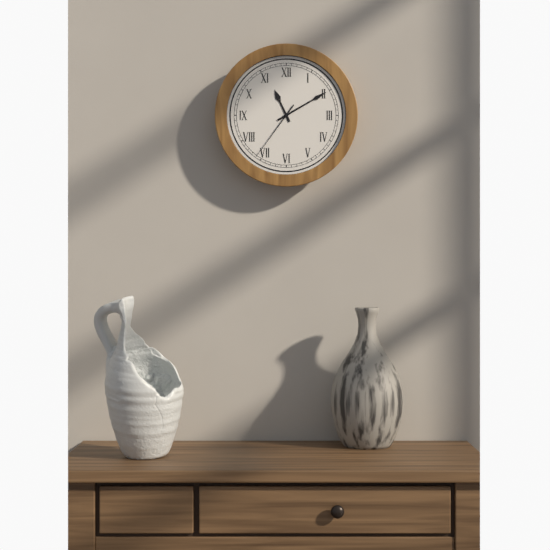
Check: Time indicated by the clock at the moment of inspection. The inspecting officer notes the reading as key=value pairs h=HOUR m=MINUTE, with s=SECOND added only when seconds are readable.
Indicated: h=11 m=10 s=36
